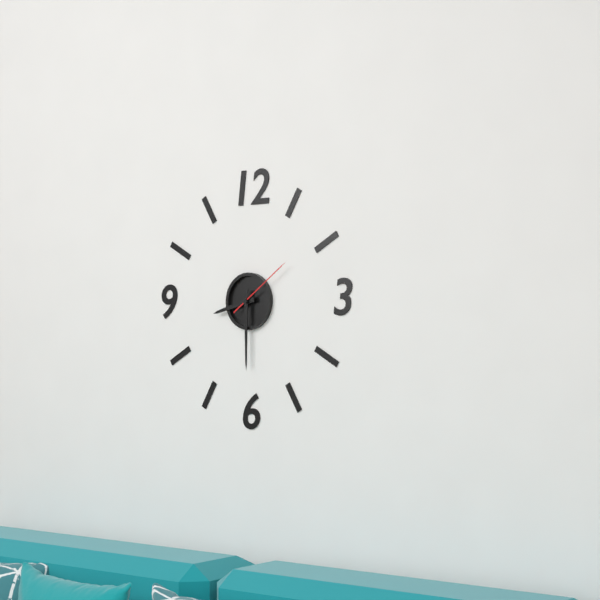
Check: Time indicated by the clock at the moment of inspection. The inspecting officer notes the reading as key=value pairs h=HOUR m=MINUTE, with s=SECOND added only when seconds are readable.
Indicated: h=8 m=30 s=9
